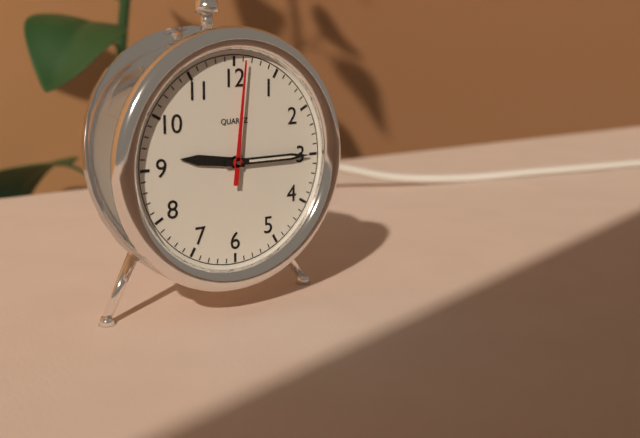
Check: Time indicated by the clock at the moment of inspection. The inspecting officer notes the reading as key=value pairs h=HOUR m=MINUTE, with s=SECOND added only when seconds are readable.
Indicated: h=9 m=15 s=1
